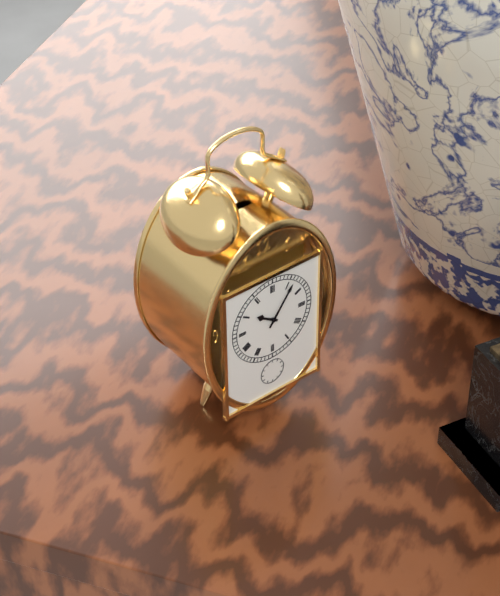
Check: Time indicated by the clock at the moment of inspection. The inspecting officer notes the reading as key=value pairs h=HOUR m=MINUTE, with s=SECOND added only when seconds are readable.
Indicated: h=10 m=6
